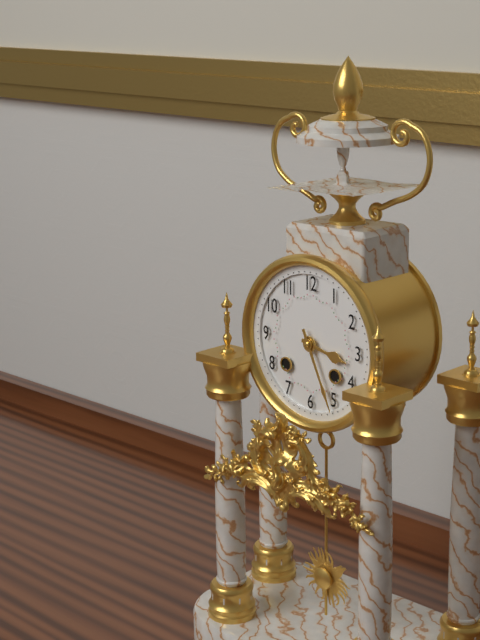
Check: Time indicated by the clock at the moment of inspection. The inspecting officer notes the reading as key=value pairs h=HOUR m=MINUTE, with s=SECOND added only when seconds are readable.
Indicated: h=3 m=26
